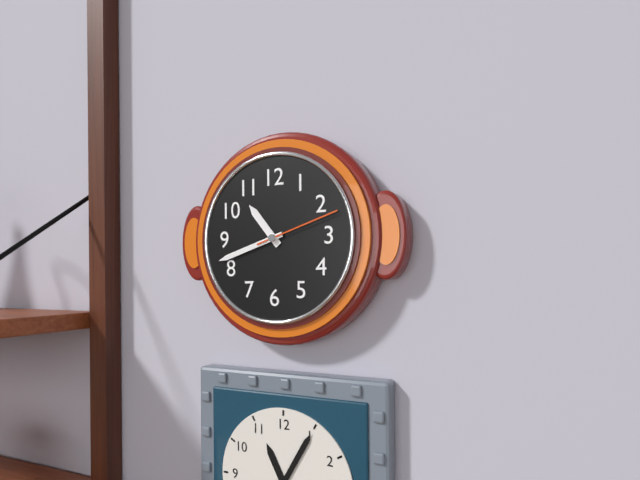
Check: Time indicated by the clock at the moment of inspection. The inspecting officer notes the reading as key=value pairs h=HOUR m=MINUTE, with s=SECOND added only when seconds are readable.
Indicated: h=10 m=42 s=12
